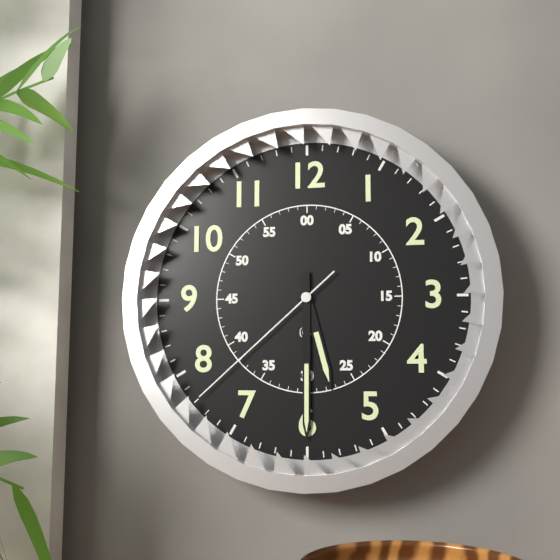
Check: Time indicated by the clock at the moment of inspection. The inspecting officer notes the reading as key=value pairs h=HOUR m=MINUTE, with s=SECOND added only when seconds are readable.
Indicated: h=5 m=30 s=38
